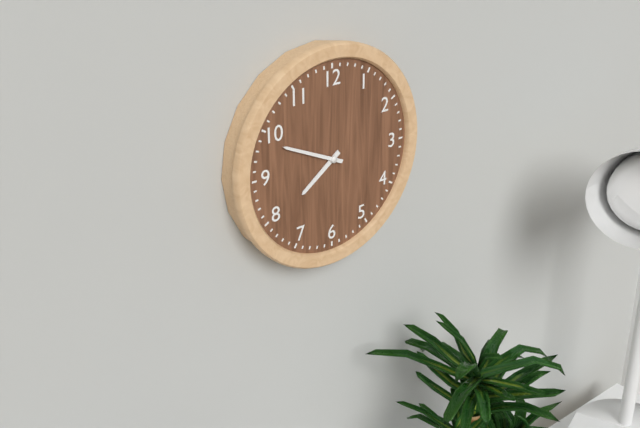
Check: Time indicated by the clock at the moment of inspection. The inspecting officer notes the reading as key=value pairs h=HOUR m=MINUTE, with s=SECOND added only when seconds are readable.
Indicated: h=7 m=49
